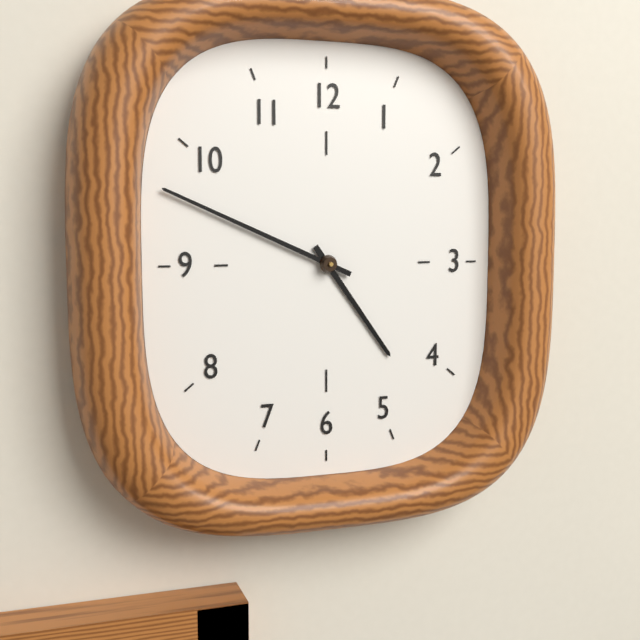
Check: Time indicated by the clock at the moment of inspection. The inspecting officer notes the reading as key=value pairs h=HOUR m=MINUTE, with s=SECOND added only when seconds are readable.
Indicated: h=4 m=49
